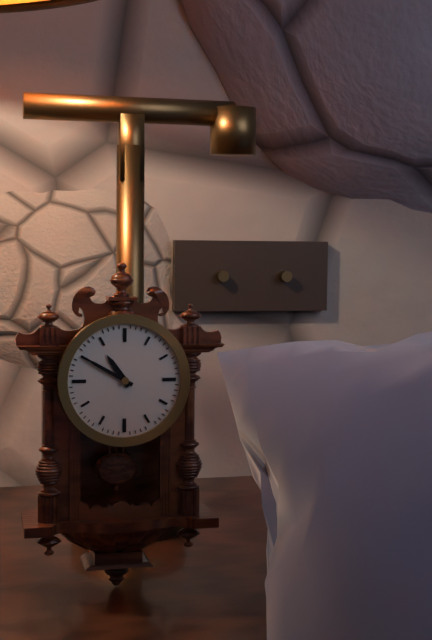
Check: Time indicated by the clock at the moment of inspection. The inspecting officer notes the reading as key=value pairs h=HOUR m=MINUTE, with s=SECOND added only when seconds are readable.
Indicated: h=10 m=50
